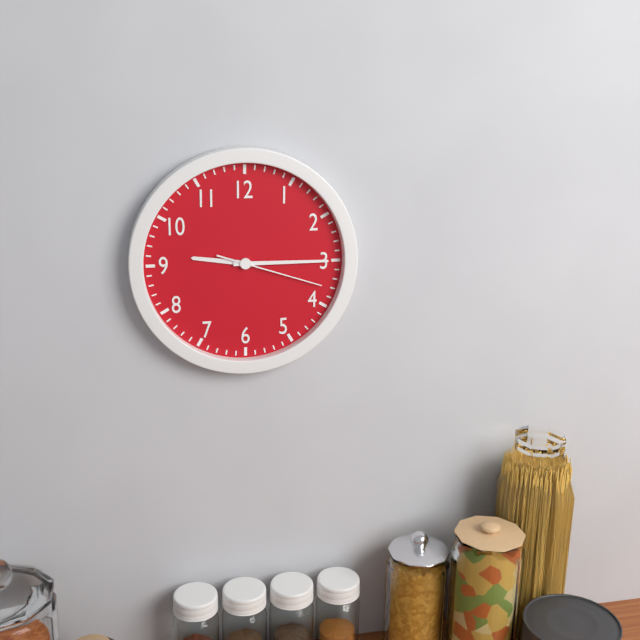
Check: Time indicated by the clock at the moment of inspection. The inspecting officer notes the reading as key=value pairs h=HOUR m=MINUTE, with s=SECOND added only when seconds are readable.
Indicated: h=9 m=15 s=18
